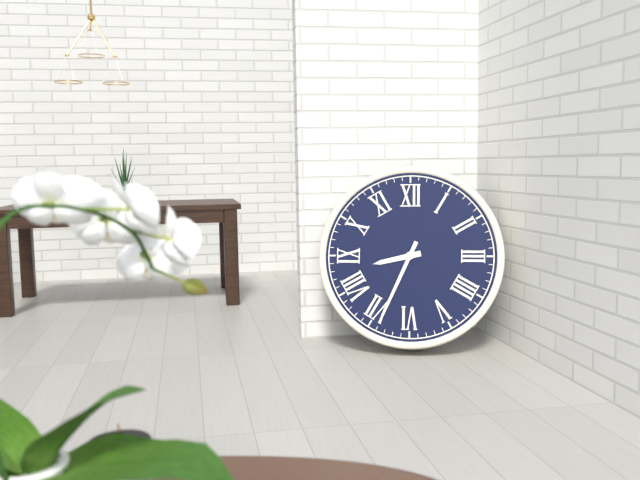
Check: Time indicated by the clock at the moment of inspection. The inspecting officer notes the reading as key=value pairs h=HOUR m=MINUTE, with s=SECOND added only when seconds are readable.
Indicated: h=8 m=34
